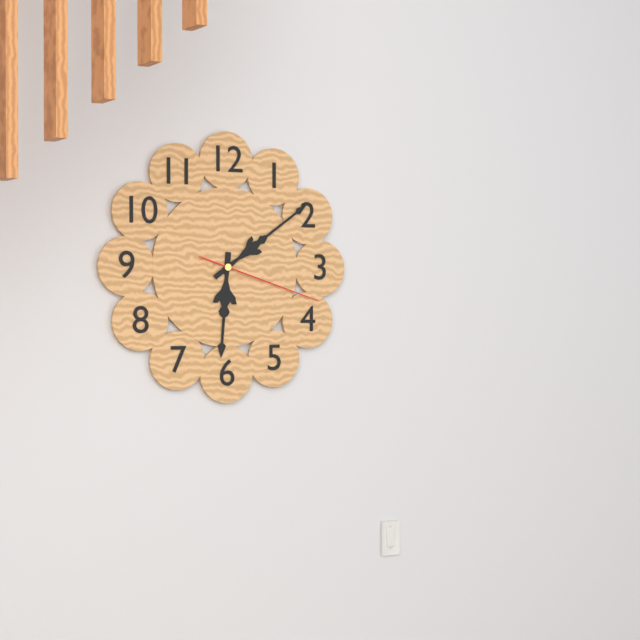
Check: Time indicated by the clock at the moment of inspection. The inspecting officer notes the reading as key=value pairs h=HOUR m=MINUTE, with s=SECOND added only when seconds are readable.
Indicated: h=6 m=9 s=18
